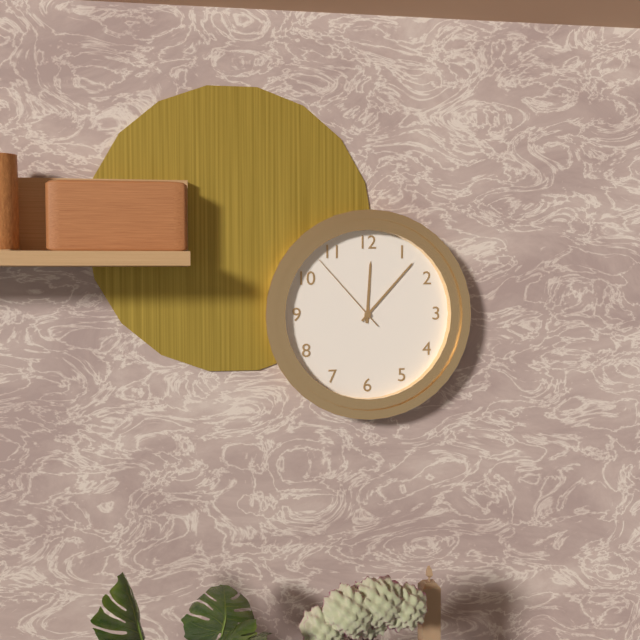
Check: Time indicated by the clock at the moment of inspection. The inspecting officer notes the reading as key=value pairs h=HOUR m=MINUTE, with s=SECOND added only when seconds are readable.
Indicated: h=12 m=7 s=53
